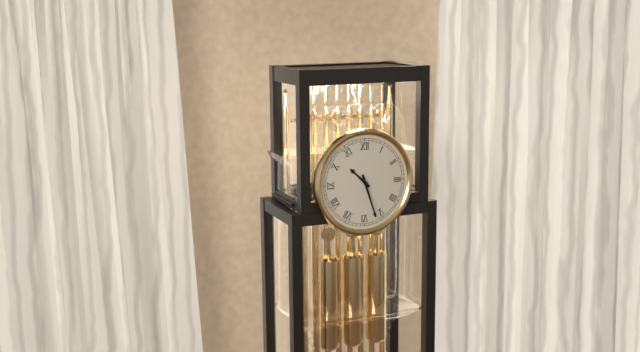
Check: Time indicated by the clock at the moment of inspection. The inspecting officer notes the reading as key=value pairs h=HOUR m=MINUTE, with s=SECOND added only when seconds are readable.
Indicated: h=10 m=27
